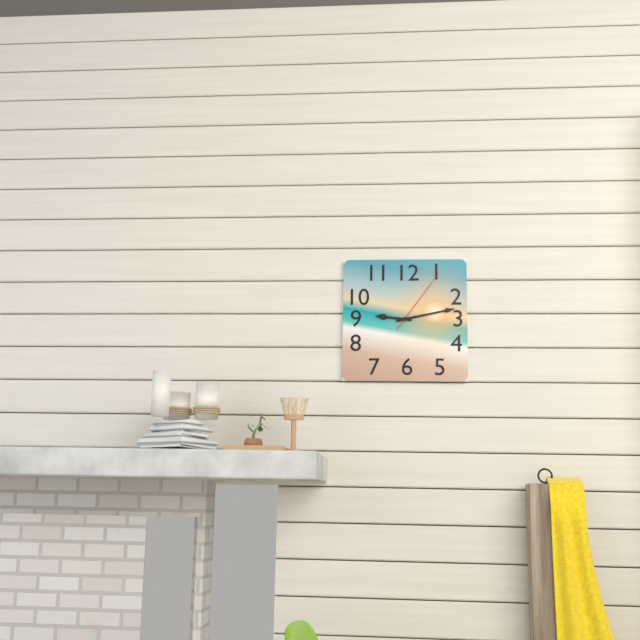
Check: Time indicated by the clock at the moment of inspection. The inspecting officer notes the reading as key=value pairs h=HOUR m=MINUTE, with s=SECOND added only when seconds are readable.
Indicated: h=9 m=13 s=6
